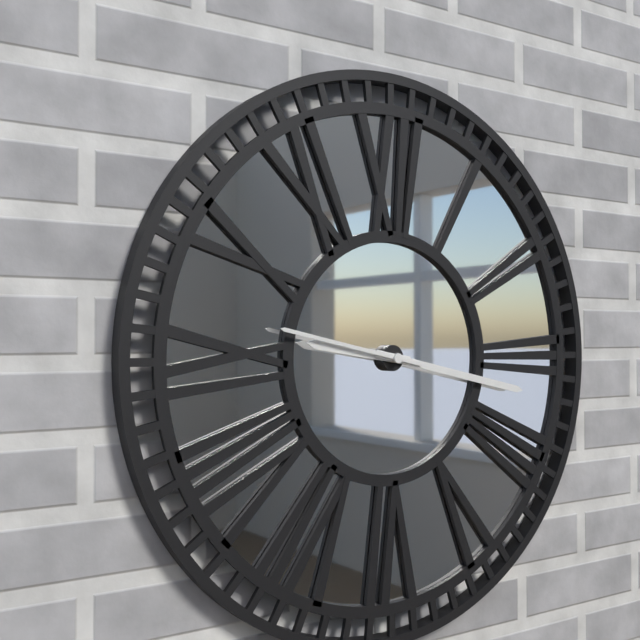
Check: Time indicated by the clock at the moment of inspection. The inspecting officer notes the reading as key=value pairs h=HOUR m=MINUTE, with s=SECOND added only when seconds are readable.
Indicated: h=9 m=17 s=47
